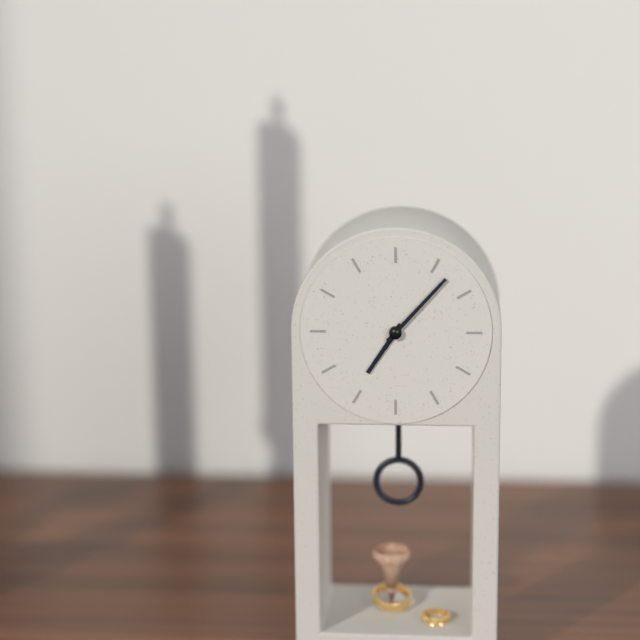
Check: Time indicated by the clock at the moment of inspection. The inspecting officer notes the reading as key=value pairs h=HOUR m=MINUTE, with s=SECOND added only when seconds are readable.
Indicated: h=7 m=7
